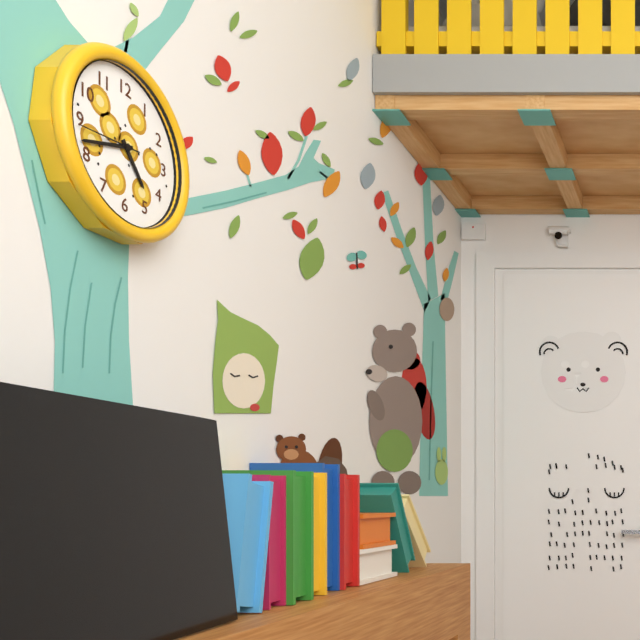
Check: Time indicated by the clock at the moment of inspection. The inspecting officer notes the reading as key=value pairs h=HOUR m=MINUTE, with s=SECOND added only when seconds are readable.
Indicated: h=4 m=42 s=44
